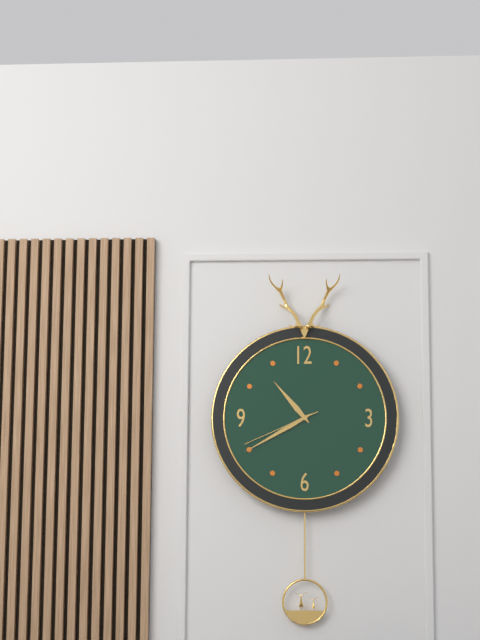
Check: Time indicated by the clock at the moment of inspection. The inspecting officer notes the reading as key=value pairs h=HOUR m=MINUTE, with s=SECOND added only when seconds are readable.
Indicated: h=10 m=40 s=41
